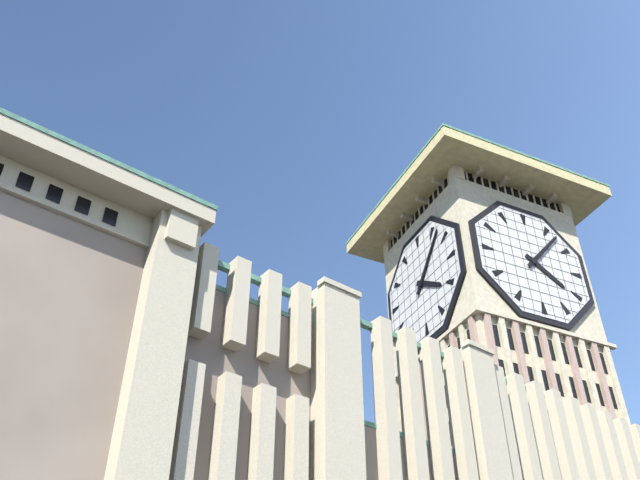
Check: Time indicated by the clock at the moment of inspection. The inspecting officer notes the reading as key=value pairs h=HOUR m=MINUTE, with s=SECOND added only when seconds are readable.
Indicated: h=4 m=7
